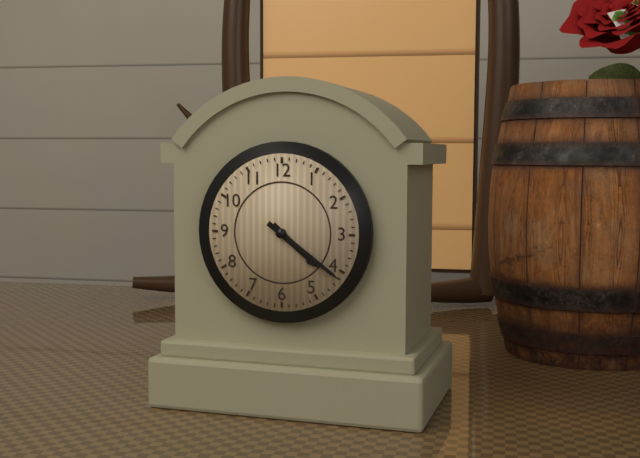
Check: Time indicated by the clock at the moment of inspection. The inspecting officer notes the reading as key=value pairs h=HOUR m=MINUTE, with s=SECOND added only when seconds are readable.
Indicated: h=4 m=21
